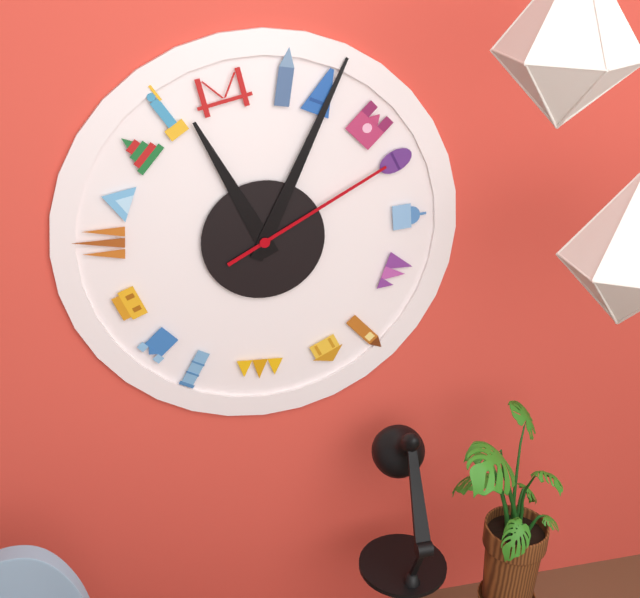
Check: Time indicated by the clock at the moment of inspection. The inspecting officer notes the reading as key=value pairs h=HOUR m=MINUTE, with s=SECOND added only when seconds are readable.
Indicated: h=11 m=4 s=10
